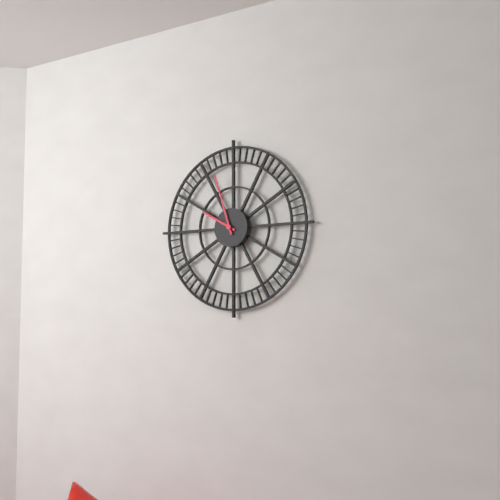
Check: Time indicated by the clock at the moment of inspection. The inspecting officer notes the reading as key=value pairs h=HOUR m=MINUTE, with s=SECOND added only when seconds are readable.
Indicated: h=9 m=57
